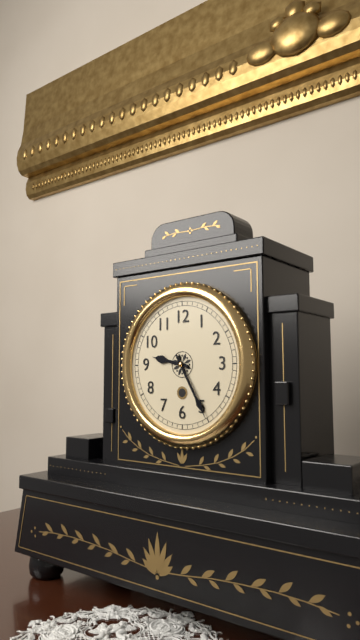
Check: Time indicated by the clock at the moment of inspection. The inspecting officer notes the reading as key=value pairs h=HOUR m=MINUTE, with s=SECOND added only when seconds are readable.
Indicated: h=9 m=25
